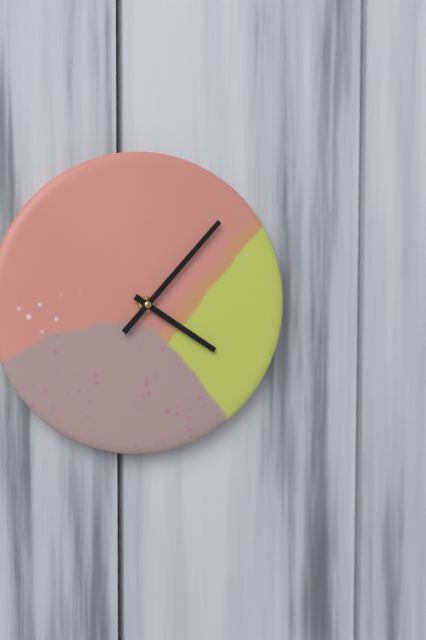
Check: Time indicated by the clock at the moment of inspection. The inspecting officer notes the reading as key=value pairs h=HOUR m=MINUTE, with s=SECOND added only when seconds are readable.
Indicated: h=4 m=7
